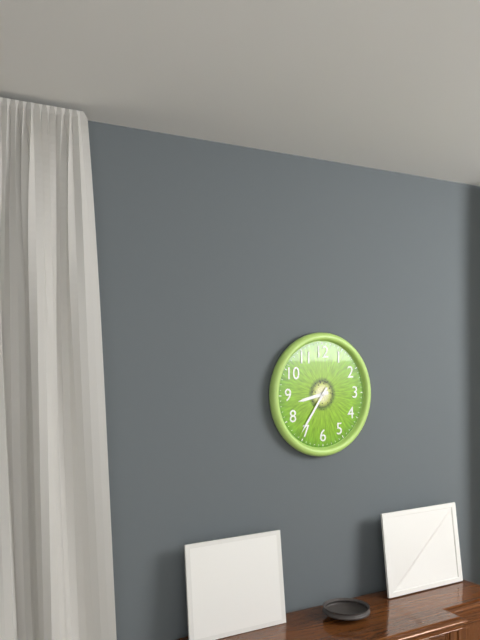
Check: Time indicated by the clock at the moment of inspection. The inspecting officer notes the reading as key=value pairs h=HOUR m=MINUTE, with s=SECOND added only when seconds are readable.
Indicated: h=8 m=36
